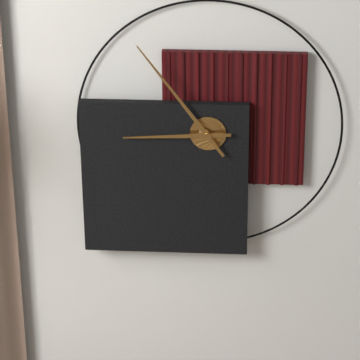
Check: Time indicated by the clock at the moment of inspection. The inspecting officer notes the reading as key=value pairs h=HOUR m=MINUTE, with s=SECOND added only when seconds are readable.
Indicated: h=8 m=54
